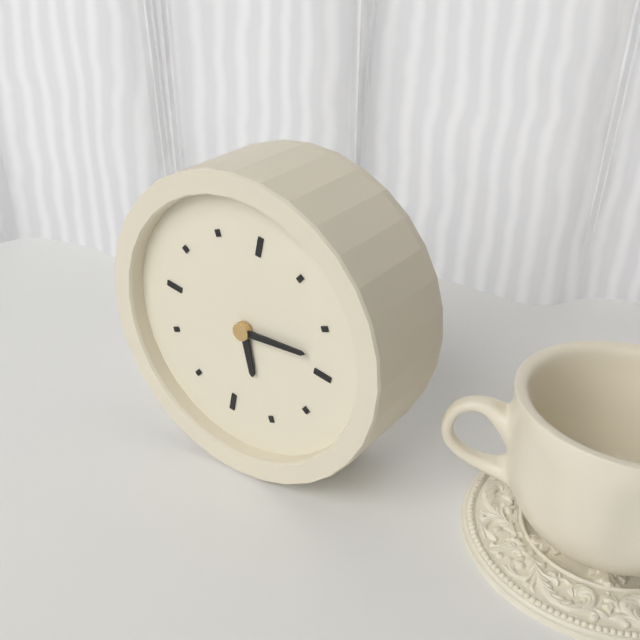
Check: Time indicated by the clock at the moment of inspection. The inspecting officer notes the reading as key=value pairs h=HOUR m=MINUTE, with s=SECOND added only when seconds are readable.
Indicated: h=5 m=13
